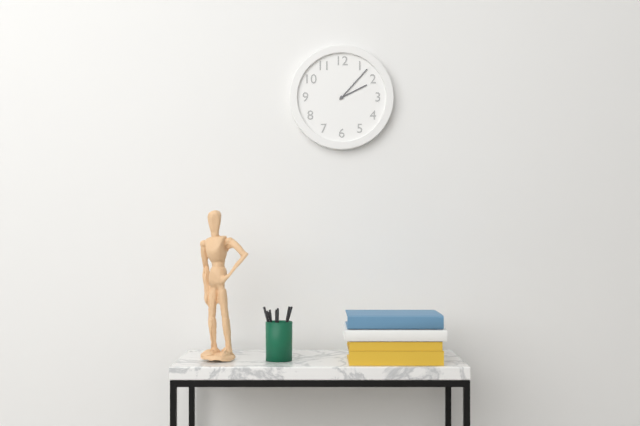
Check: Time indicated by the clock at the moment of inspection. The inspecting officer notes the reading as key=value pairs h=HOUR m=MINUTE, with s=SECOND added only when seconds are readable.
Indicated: h=2 m=7
